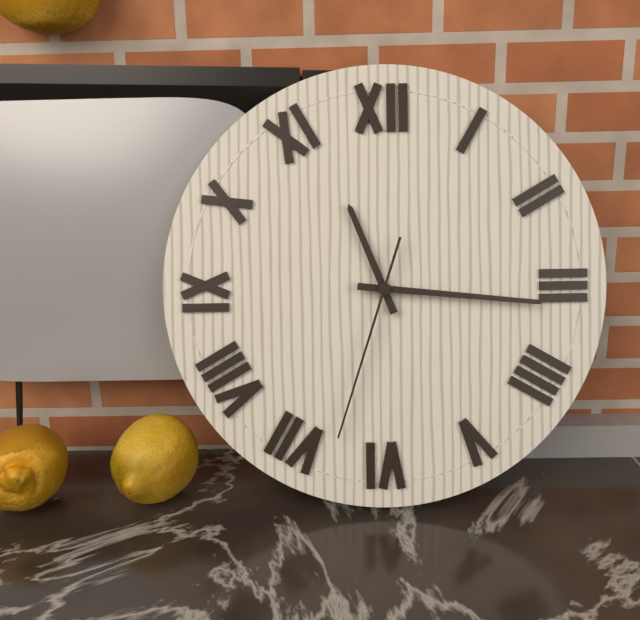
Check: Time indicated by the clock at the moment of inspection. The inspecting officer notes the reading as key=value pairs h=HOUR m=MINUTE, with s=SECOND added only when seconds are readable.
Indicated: h=11 m=16 s=33
